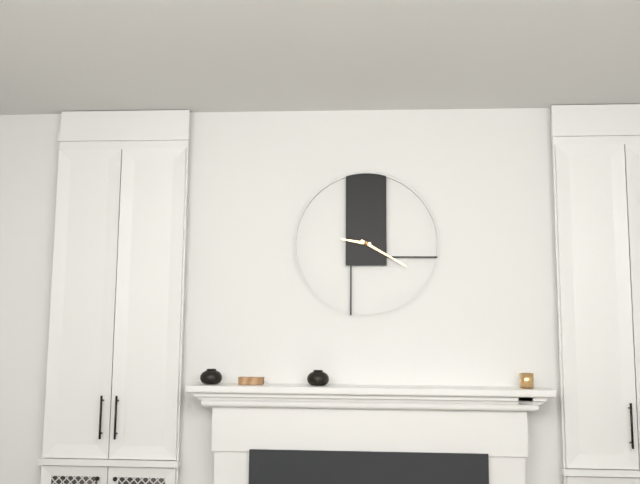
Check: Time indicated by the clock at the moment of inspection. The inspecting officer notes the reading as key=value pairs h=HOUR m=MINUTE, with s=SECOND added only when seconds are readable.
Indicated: h=9 m=20
